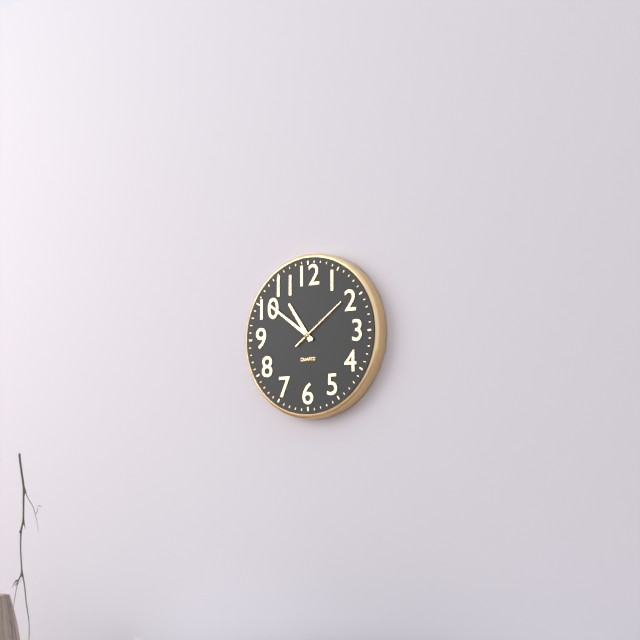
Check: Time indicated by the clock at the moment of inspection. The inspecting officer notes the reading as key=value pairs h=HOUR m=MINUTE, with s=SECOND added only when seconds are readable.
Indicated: h=10 m=51 s=9
